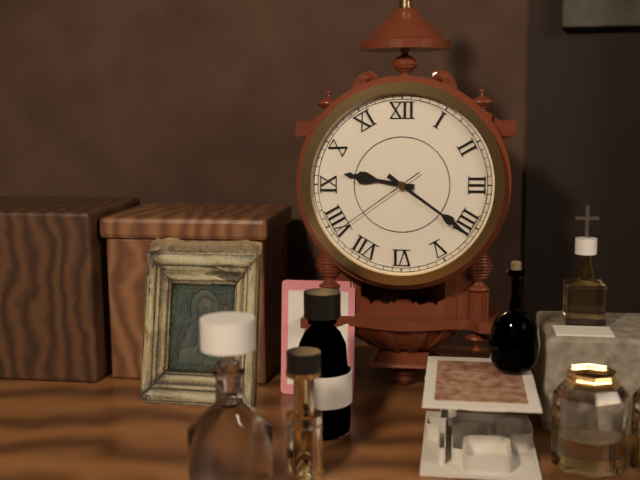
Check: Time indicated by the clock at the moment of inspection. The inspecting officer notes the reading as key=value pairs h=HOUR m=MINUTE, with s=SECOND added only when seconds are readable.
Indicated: h=9 m=21 s=39
